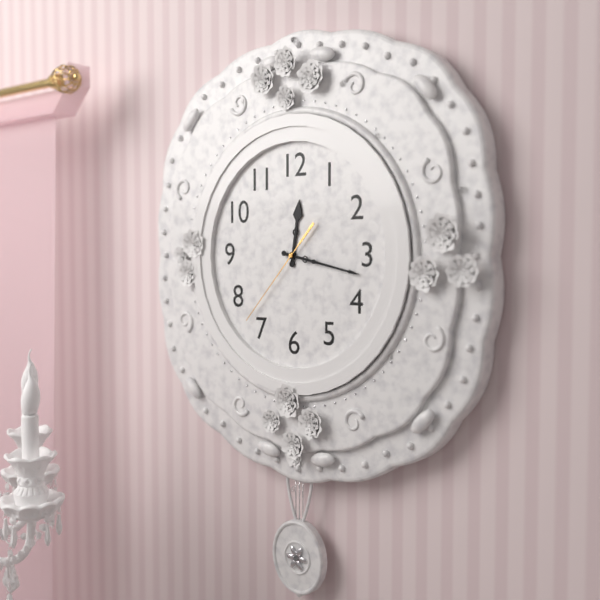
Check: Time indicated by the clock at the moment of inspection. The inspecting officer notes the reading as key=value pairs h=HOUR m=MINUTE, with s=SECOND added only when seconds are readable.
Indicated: h=12 m=17 s=37
